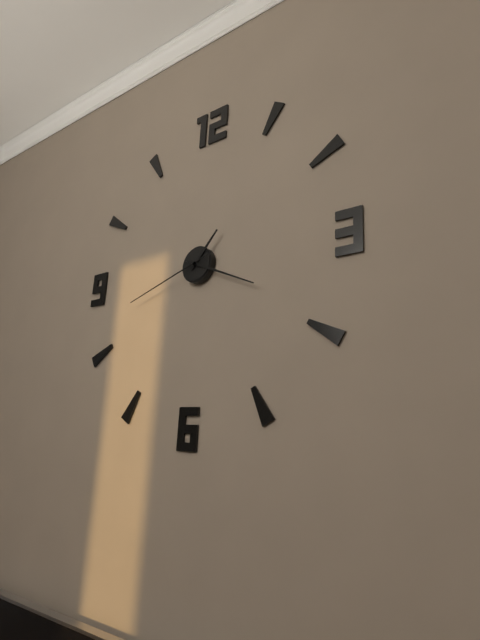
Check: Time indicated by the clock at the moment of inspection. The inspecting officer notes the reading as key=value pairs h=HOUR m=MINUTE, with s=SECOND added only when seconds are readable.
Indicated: h=1 m=19 s=42
